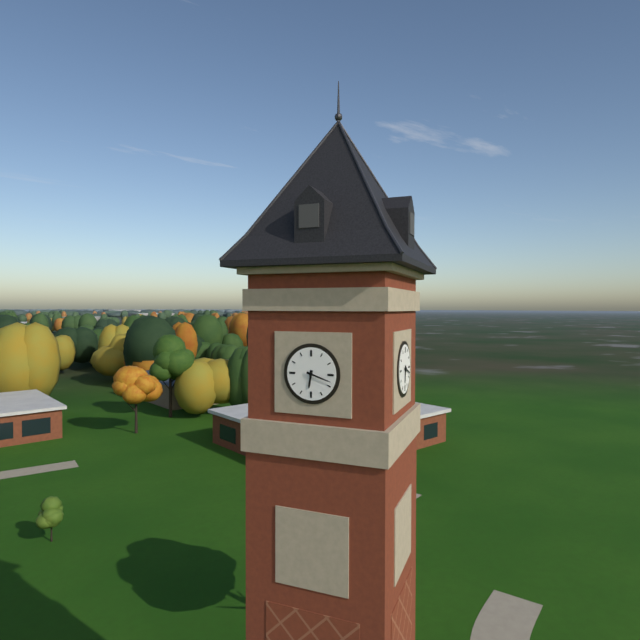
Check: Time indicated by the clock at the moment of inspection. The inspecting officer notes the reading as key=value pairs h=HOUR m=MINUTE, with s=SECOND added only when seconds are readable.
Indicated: h=6 m=18
